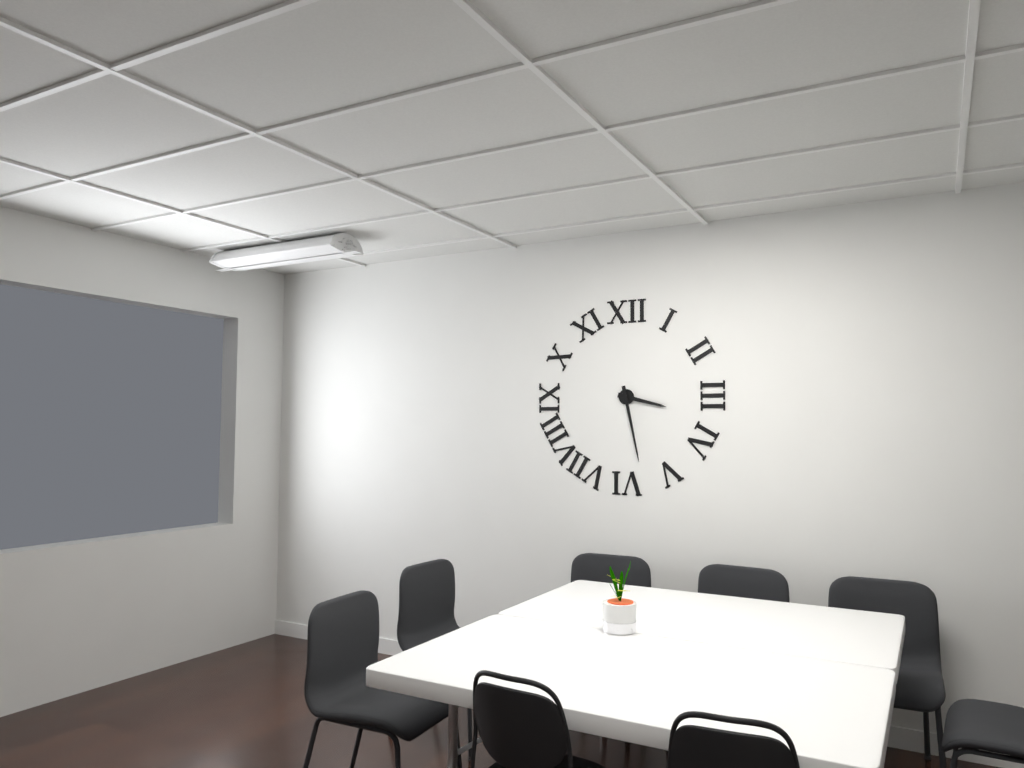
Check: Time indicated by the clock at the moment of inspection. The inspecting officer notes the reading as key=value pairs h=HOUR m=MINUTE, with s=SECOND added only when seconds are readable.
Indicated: h=3 m=28
